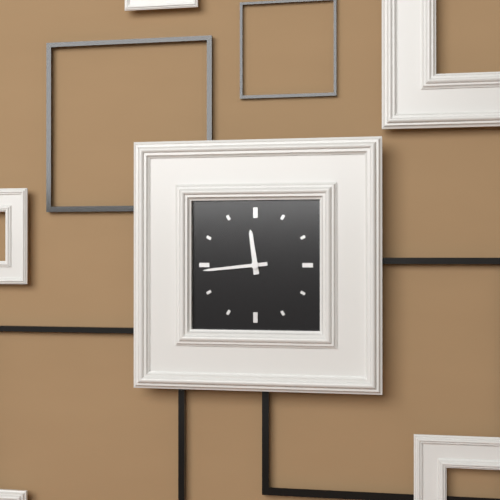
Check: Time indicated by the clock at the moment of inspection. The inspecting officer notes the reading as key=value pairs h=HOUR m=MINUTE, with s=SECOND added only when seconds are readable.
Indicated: h=11 m=44
